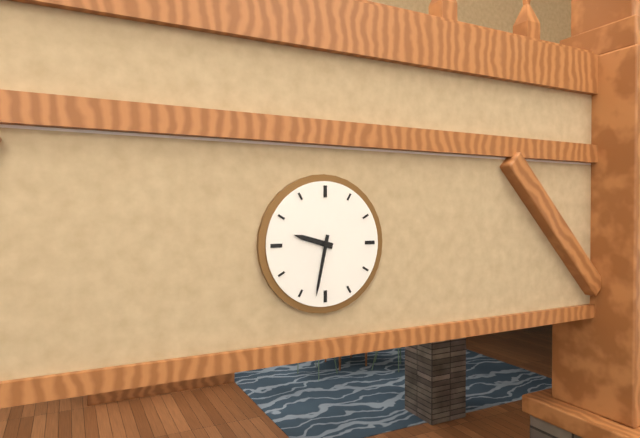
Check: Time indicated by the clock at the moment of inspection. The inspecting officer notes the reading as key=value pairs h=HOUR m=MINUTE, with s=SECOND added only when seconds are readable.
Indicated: h=9 m=32
